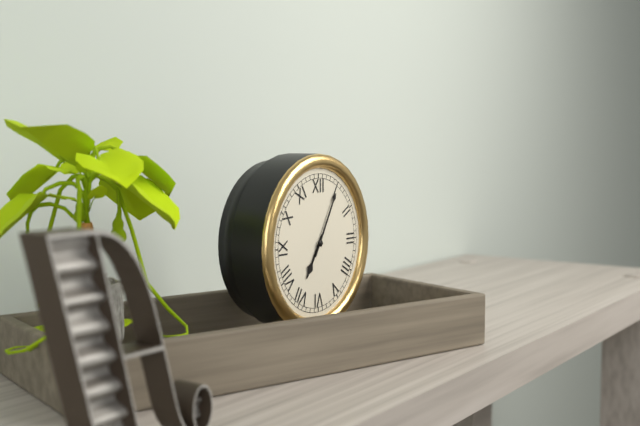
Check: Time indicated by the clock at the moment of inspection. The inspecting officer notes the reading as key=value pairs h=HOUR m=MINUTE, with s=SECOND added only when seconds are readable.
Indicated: h=7 m=5
